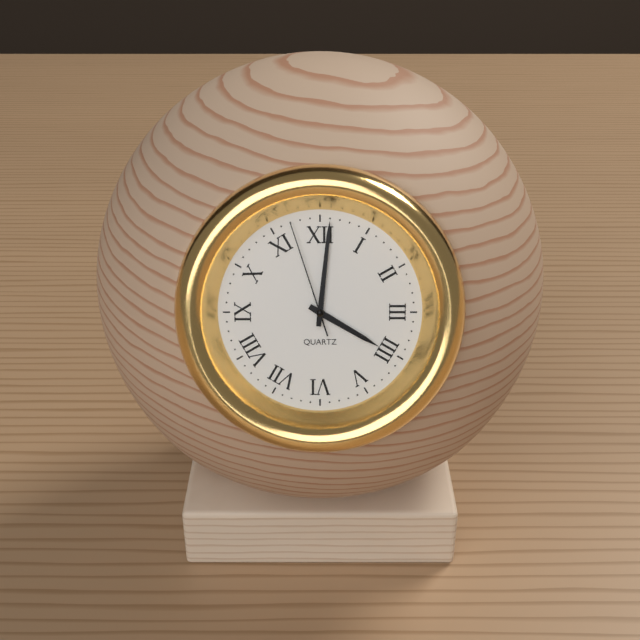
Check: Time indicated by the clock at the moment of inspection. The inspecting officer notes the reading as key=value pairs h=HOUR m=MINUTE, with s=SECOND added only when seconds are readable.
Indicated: h=4 m=1 s=57
